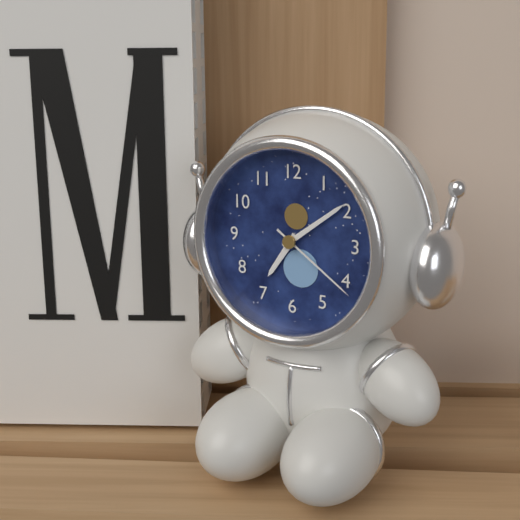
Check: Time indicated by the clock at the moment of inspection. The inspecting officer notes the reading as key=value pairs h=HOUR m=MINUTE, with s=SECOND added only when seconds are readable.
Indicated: h=7 m=9 s=21
